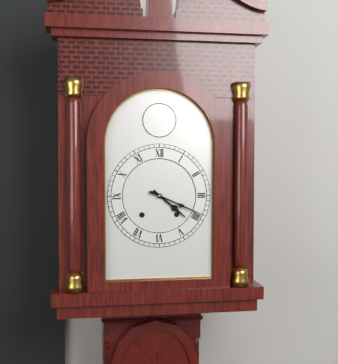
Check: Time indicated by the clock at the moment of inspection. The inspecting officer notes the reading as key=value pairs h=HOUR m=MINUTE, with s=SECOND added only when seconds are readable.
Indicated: h=4 m=19
